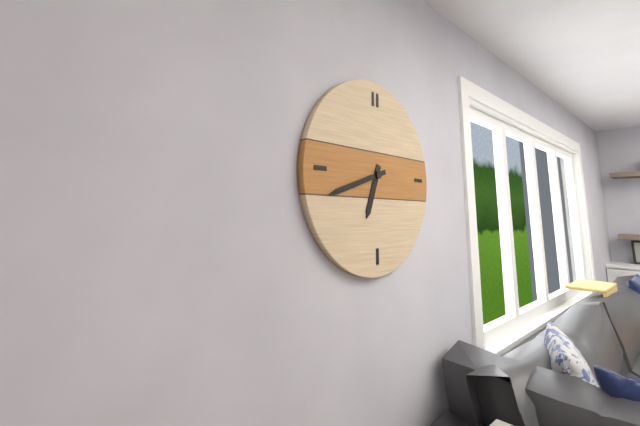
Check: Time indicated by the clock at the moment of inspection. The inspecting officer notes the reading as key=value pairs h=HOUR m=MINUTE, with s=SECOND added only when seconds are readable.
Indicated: h=6 m=42
